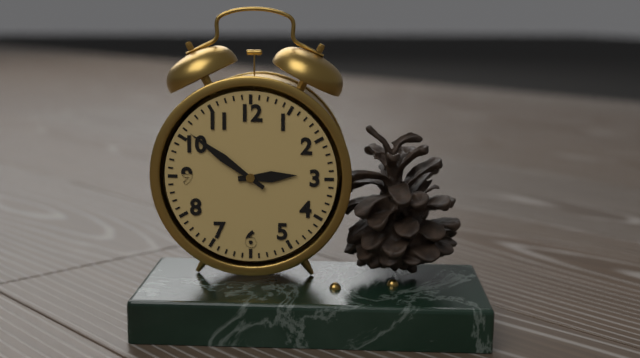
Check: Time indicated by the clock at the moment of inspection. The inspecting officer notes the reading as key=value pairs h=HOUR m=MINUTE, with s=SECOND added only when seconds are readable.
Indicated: h=2 m=51
